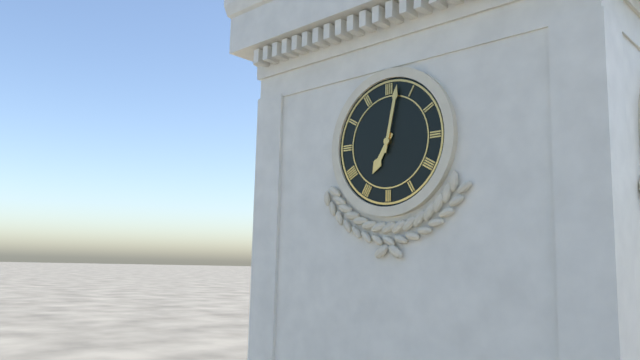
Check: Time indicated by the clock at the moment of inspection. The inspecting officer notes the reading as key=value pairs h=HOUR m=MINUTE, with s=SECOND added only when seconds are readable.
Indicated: h=7 m=2
